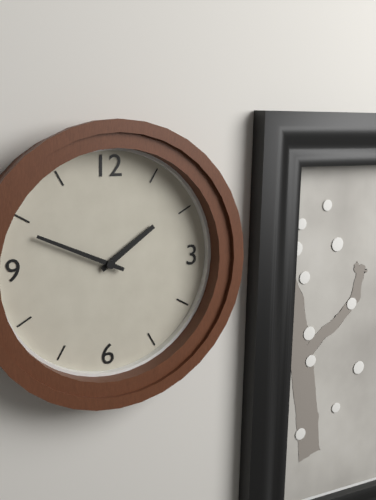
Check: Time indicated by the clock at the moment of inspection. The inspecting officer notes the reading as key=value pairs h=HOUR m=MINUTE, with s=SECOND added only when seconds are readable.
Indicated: h=1 m=49
